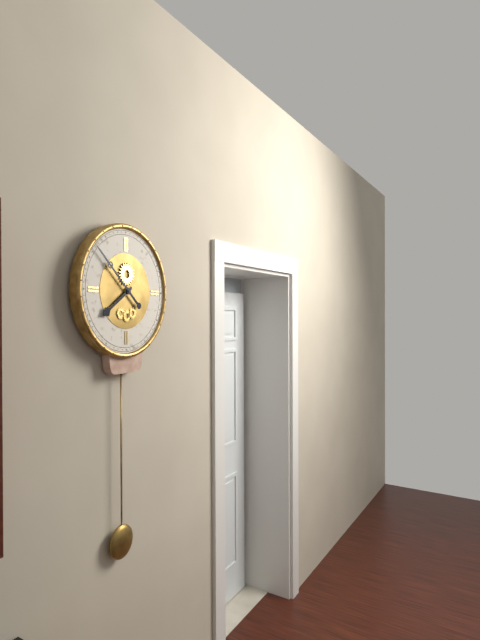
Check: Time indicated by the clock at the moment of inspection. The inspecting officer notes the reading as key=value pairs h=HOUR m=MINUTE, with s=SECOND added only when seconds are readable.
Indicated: h=7 m=52
